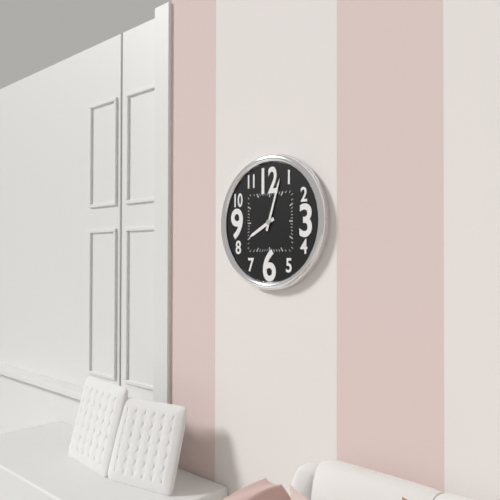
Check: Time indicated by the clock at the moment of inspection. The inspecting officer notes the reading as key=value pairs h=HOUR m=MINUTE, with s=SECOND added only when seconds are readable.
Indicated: h=8 m=3
